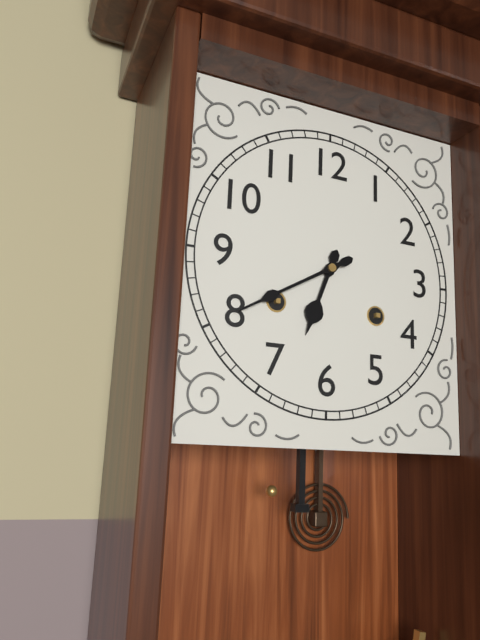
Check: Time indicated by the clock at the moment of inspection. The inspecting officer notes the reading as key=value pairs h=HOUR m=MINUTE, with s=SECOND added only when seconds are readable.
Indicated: h=6 m=40
